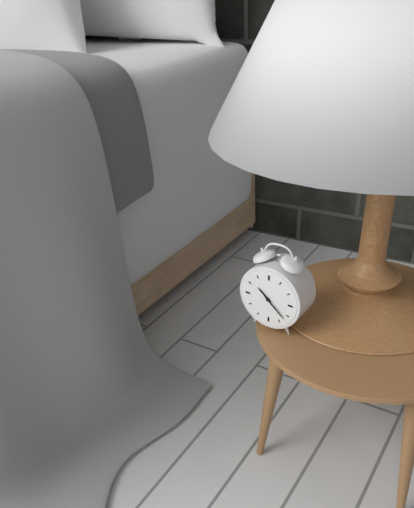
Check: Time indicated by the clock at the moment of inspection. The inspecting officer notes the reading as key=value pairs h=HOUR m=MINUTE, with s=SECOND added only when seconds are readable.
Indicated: h=10 m=22
